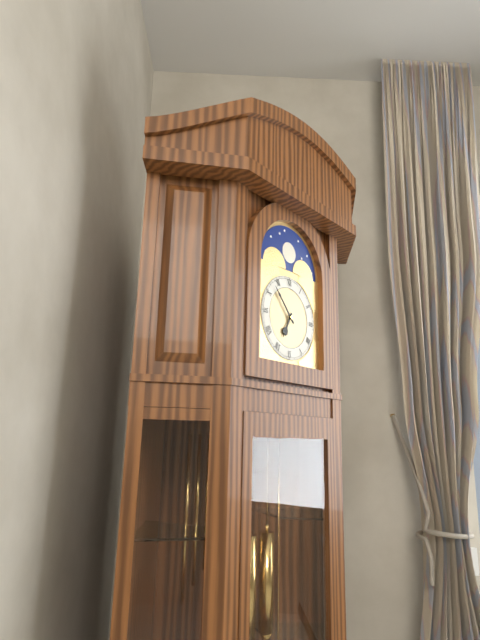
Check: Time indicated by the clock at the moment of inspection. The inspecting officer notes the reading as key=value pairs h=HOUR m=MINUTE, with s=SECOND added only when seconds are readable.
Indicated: h=6 m=53
